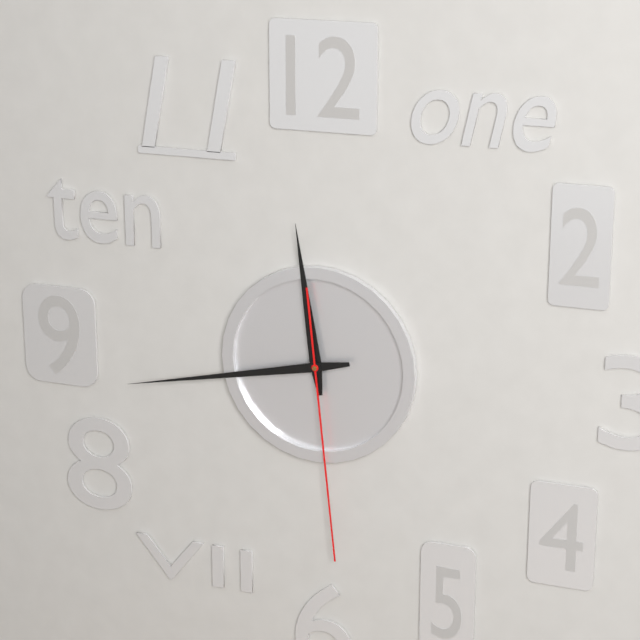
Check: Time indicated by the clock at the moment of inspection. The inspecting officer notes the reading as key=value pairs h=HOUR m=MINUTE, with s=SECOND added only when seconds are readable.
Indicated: h=11 m=43 s=29
